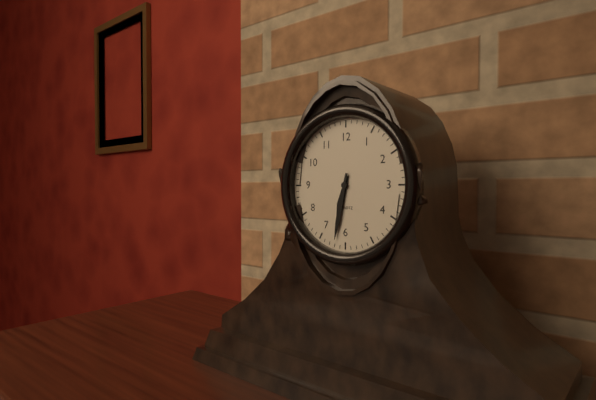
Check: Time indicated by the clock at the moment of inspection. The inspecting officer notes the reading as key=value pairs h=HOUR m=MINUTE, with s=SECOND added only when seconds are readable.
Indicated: h=6 m=32
